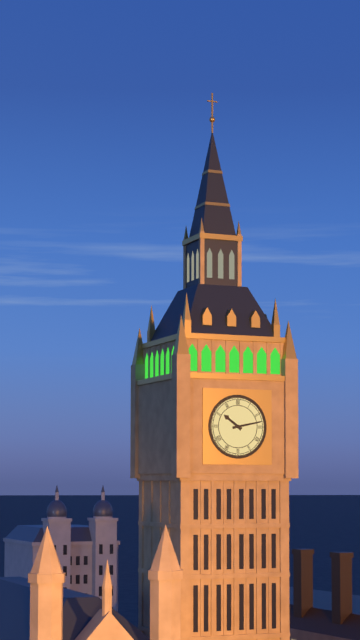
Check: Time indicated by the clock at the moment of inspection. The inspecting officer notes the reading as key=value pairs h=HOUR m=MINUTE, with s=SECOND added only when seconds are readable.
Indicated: h=10 m=13
